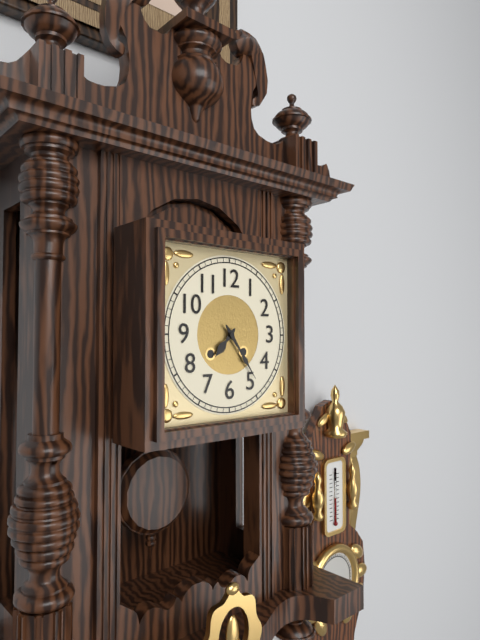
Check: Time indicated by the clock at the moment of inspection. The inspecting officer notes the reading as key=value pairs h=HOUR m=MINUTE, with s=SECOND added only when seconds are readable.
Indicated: h=7 m=24
